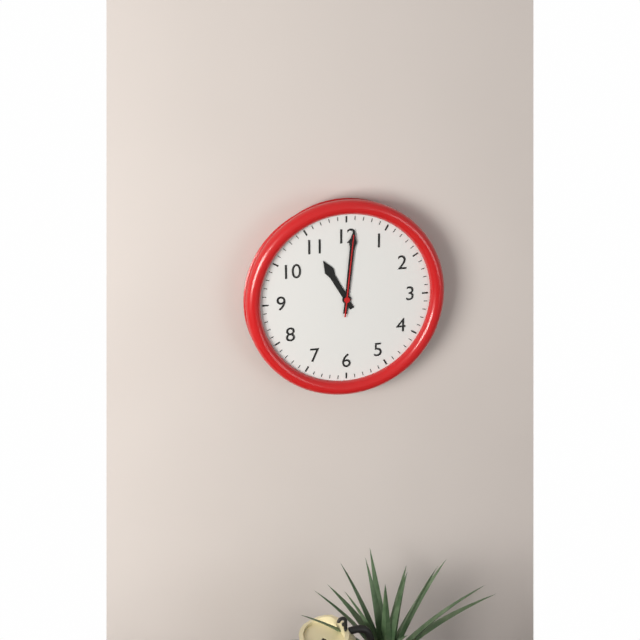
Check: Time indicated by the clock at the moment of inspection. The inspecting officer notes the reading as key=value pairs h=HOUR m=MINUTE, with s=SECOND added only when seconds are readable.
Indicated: h=11 m=1 s=1
